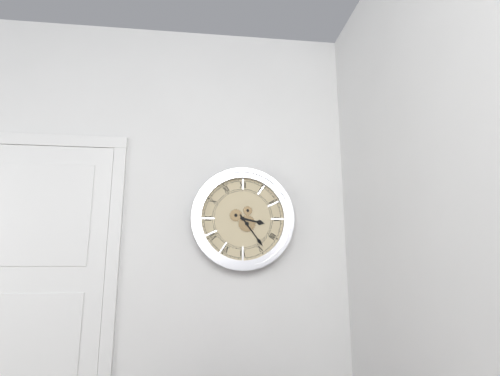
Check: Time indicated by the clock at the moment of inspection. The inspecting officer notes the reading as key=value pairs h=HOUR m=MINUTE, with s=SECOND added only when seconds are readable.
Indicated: h=3 m=24
